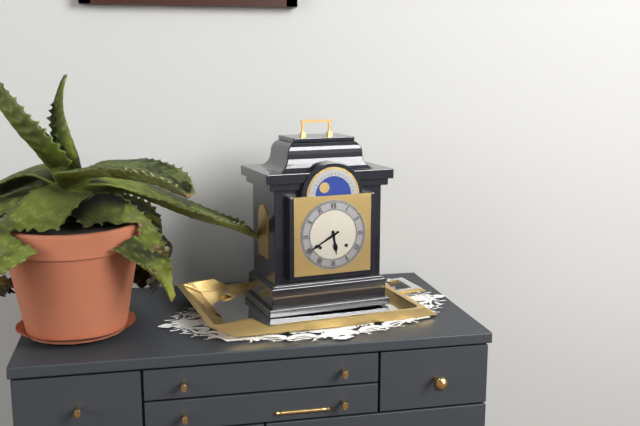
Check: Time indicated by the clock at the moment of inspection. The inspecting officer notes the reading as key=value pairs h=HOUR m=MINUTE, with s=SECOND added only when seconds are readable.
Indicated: h=5 m=40
